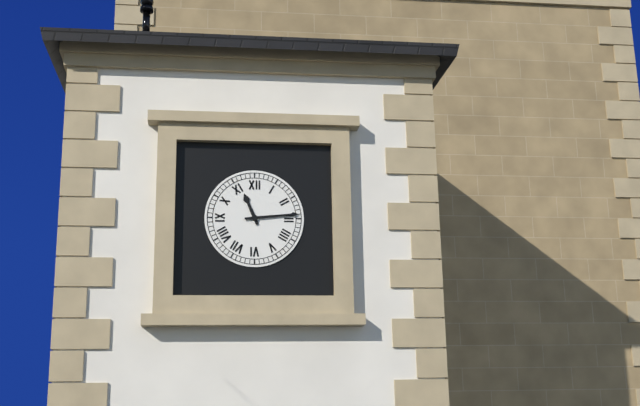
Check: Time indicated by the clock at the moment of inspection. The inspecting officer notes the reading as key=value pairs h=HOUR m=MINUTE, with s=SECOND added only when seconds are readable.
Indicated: h=11 m=14
